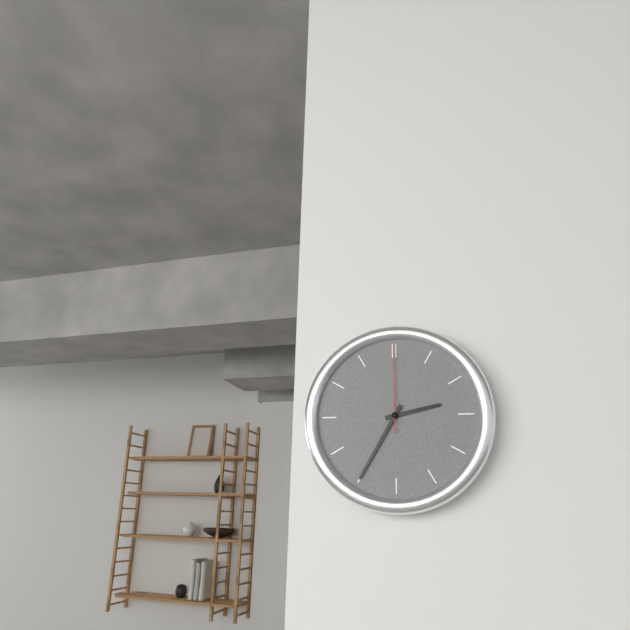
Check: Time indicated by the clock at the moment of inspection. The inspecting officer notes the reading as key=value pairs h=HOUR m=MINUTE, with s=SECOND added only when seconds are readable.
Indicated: h=2 m=35 s=0
